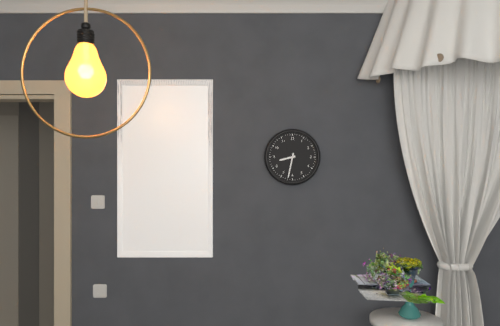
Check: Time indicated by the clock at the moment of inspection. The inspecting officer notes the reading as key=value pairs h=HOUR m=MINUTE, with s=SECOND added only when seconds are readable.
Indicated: h=8 m=32
